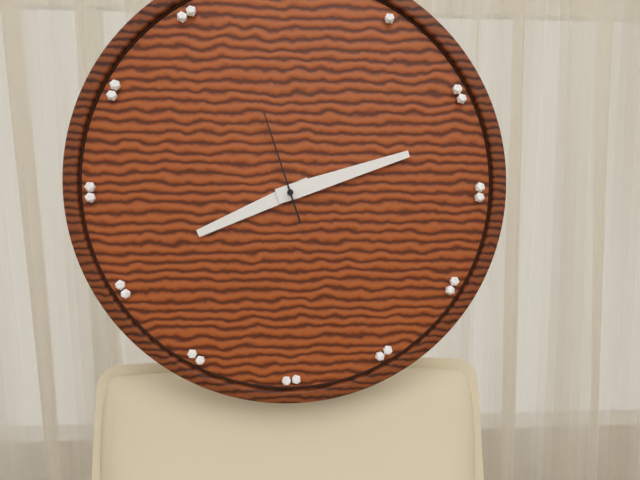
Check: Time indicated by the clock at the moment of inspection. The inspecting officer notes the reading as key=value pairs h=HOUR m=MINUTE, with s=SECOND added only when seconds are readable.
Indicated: h=8 m=12 s=57
